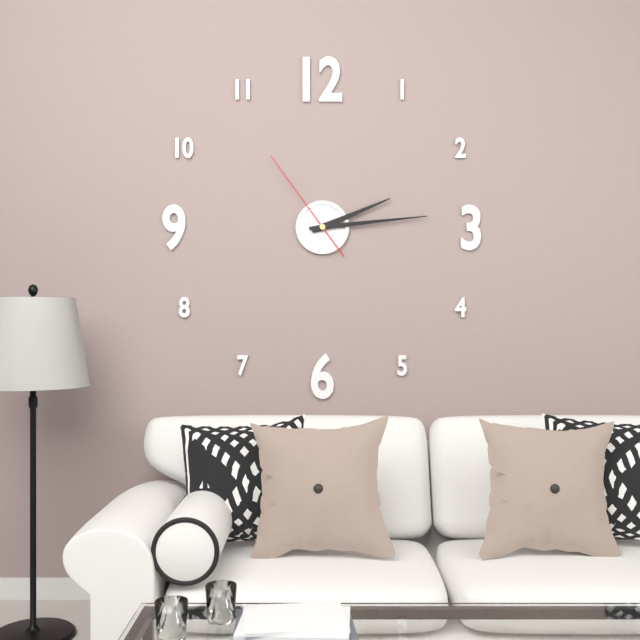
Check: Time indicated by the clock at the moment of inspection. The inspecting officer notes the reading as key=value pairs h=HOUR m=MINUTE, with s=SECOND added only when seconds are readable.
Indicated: h=2 m=14 s=54
